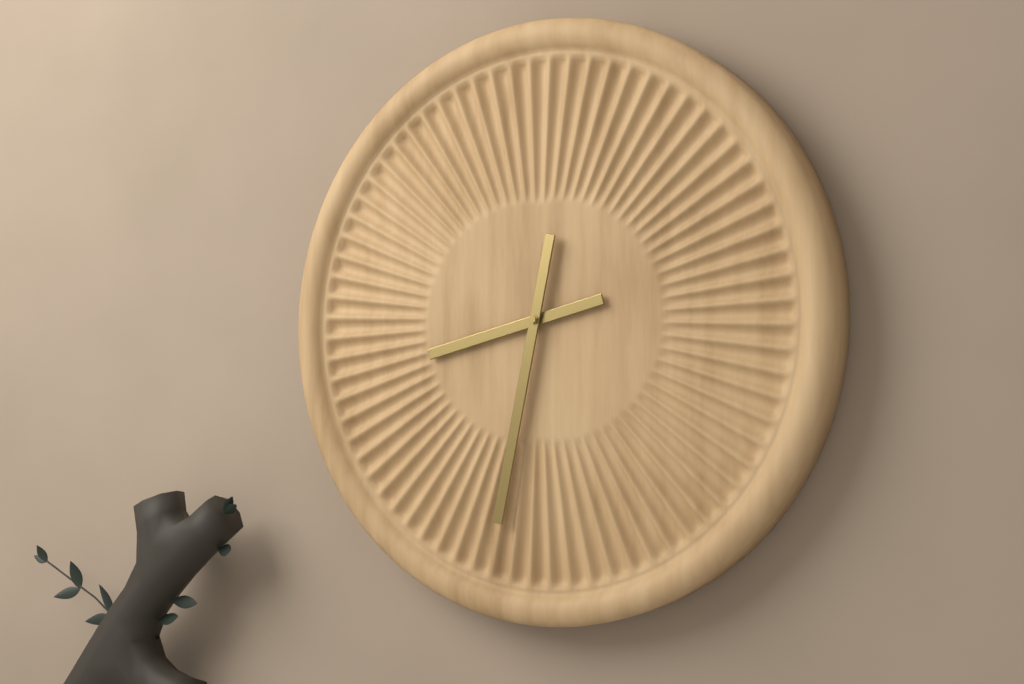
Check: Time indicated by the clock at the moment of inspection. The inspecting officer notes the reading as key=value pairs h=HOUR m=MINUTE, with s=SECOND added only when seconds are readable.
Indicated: h=8 m=32
